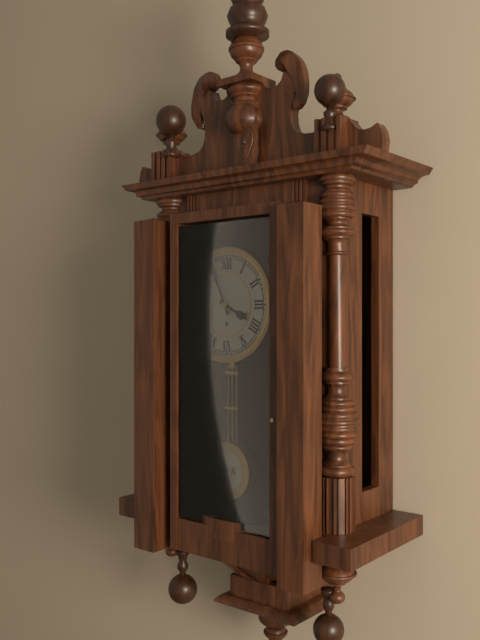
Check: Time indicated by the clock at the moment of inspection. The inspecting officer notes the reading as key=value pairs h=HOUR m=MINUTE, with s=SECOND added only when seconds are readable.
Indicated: h=3 m=56
